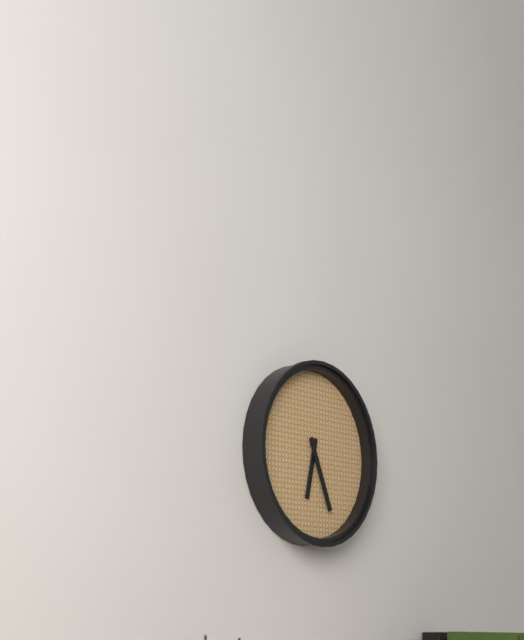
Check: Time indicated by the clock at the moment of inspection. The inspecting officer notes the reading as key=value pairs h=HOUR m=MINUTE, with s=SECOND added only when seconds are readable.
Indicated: h=6 m=26
